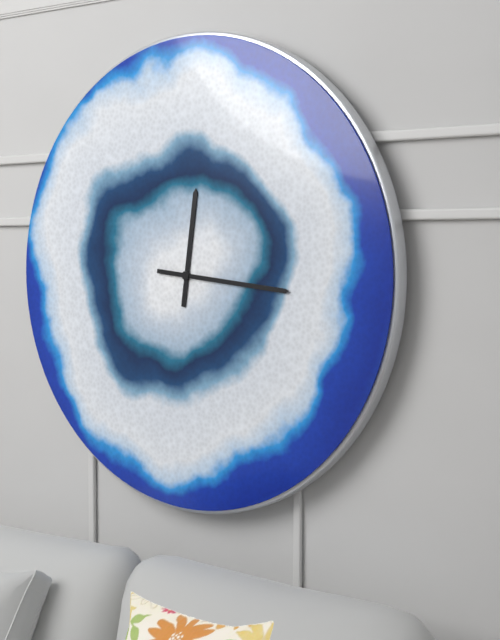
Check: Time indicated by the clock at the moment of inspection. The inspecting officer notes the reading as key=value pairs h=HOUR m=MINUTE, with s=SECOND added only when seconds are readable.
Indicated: h=12 m=16
